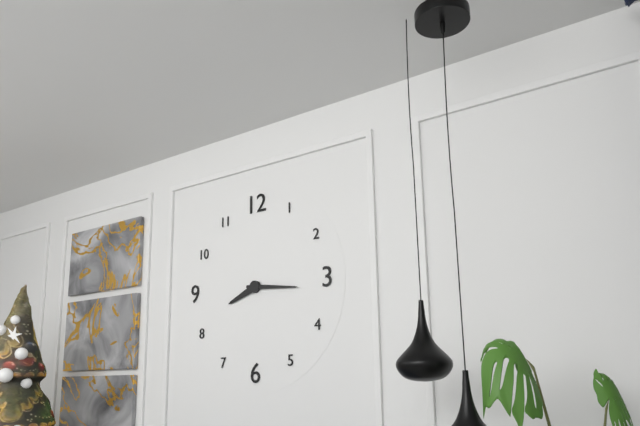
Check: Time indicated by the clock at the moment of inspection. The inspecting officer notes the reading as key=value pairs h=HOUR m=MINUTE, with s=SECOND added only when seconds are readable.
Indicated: h=8 m=16
